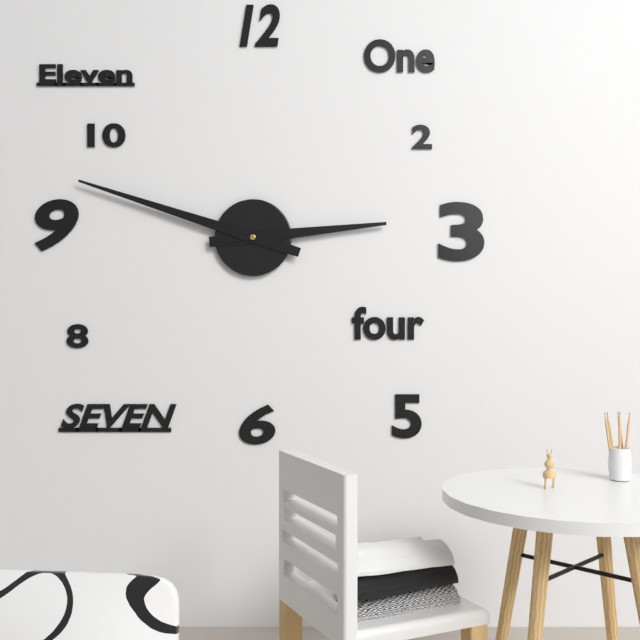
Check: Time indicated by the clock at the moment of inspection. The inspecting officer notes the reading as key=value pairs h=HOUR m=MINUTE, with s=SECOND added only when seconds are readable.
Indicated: h=2 m=48
